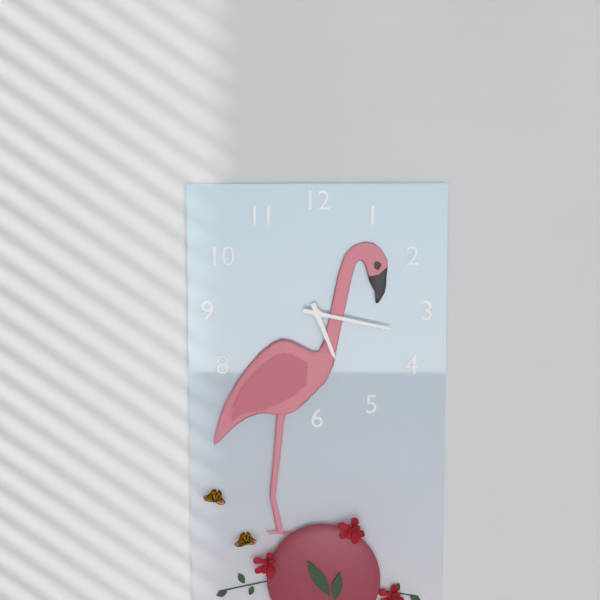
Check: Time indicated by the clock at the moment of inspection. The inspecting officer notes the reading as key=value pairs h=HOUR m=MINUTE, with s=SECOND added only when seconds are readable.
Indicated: h=5 m=17
